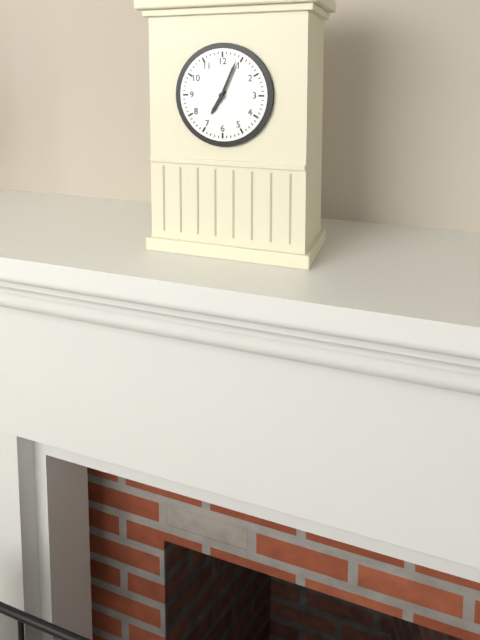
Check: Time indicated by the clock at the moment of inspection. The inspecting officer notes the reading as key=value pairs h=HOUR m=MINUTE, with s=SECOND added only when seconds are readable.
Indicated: h=7 m=4
